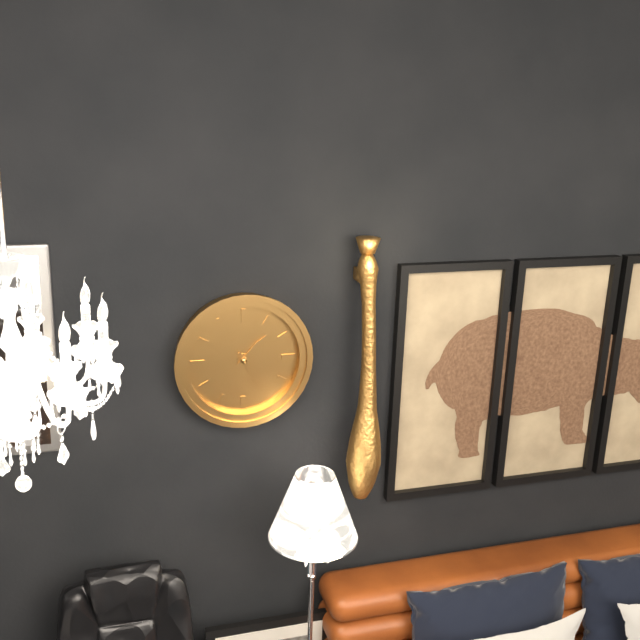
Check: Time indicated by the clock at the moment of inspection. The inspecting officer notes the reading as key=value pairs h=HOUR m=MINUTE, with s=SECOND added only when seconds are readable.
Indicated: h=1 m=25
